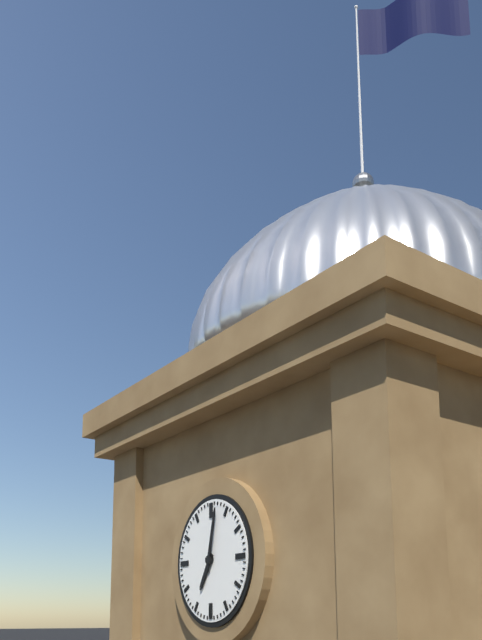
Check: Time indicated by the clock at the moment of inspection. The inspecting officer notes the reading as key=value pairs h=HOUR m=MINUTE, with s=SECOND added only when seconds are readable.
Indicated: h=7 m=2
